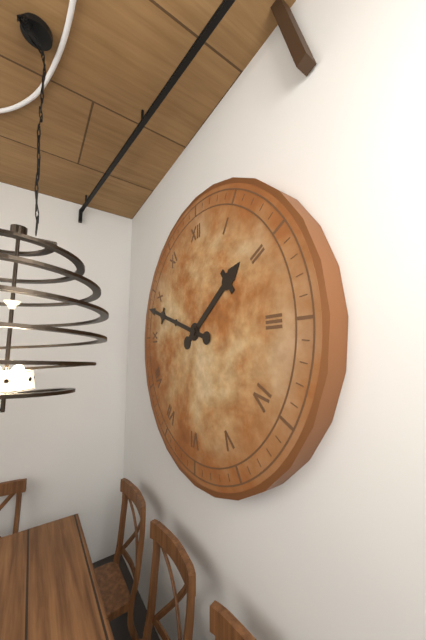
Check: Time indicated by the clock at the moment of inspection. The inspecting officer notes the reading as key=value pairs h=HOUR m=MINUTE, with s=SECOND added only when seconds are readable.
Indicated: h=1 m=48
